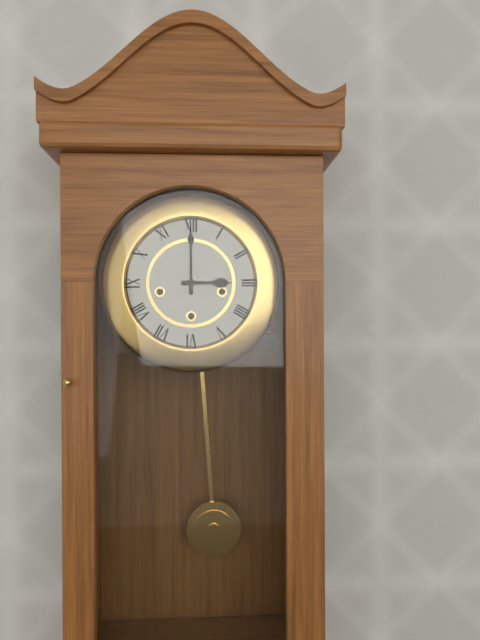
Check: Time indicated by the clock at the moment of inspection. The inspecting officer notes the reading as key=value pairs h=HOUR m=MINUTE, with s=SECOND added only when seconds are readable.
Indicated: h=3 m=0
